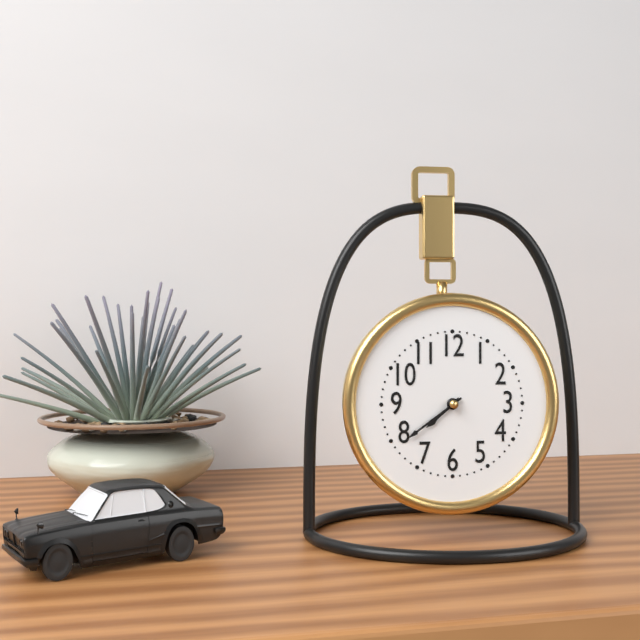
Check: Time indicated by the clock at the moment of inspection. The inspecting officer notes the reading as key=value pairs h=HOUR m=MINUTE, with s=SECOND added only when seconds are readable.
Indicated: h=7 m=39
